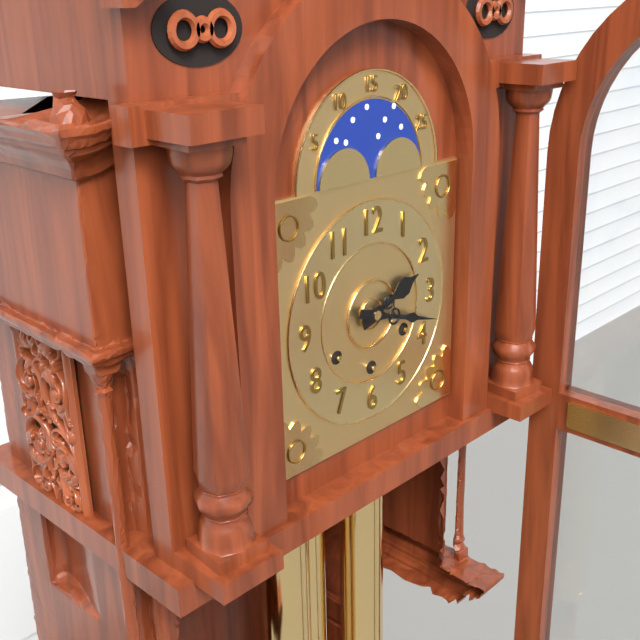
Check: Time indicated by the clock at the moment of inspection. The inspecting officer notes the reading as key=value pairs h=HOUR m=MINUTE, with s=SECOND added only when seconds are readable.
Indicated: h=2 m=18
